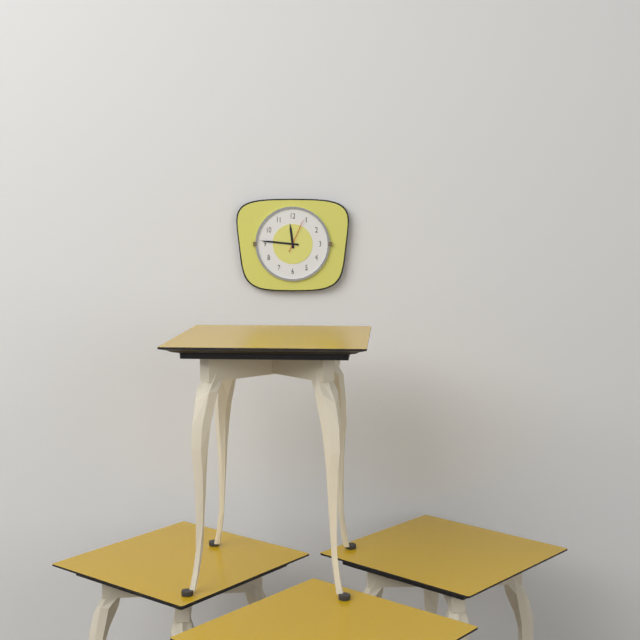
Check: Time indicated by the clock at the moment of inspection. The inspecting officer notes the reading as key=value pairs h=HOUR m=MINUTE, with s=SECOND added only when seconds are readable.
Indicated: h=11 m=46
